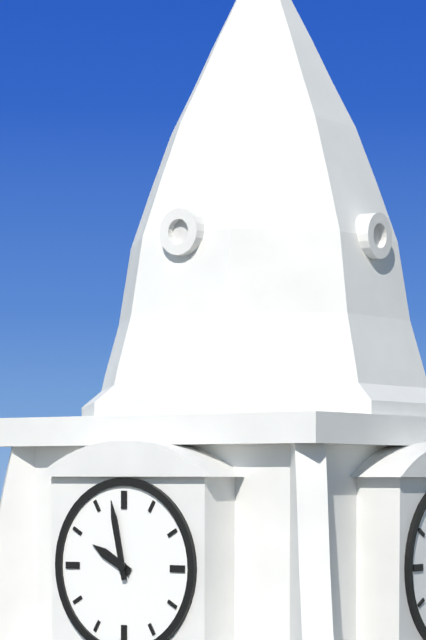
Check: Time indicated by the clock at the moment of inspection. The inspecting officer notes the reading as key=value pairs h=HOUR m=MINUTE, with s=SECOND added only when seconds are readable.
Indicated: h=9 m=58
